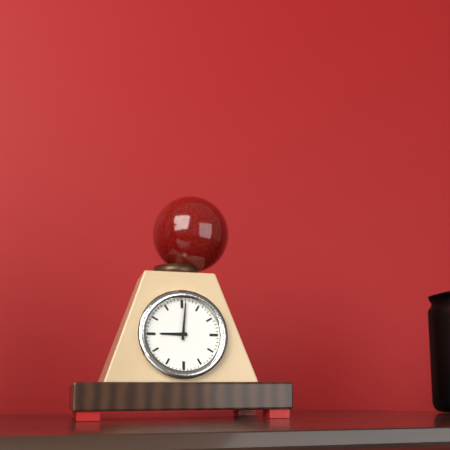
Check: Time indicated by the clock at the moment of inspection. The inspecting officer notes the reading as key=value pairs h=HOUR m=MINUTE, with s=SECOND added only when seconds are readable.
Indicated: h=9 m=1
